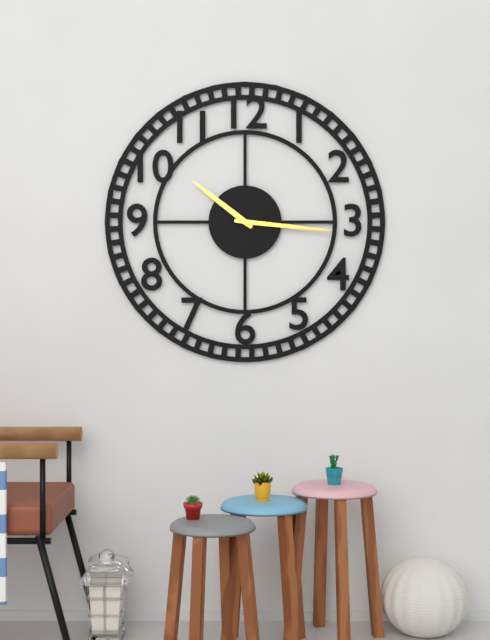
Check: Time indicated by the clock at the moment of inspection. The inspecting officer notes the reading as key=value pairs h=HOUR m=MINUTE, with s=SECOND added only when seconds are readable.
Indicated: h=10 m=16
